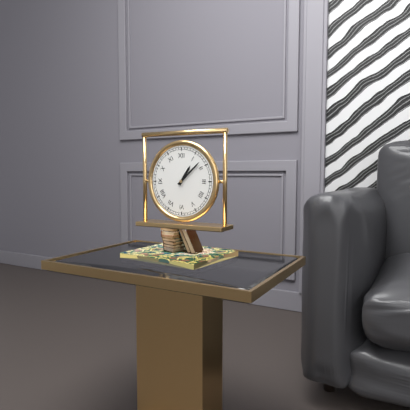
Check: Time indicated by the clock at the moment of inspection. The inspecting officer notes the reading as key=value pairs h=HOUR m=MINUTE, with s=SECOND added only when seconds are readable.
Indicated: h=1 m=8
